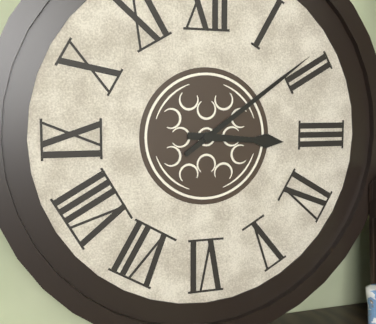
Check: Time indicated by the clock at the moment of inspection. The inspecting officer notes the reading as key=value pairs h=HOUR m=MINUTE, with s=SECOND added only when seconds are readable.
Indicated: h=3 m=9
